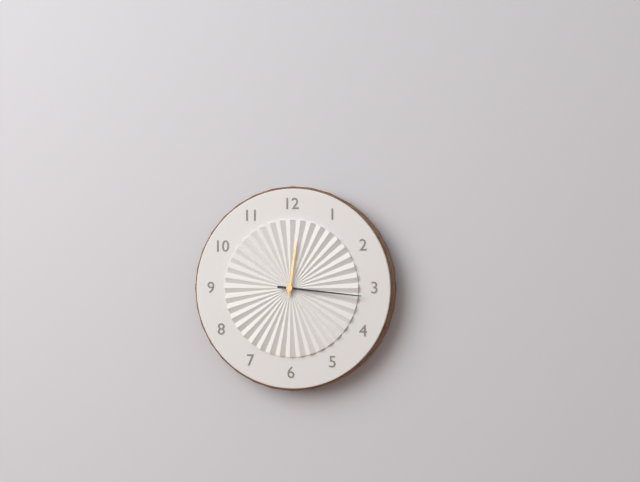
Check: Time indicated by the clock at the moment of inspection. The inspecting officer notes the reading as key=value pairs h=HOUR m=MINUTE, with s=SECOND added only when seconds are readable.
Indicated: h=12 m=16
